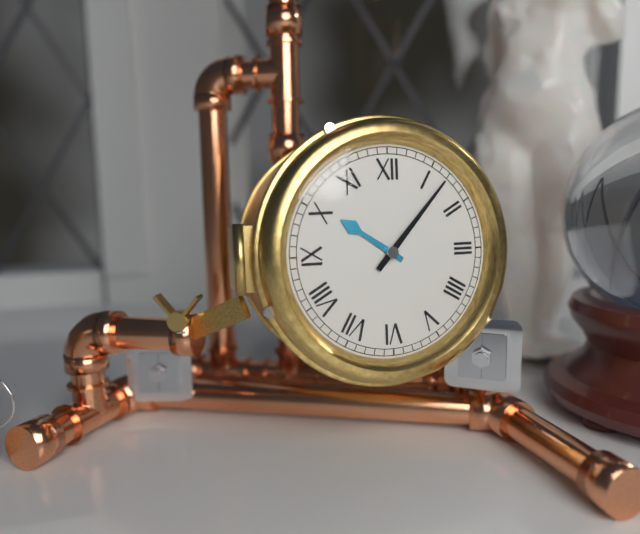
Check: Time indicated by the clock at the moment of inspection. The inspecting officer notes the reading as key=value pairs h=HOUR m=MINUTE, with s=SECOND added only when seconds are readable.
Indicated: h=10 m=7
